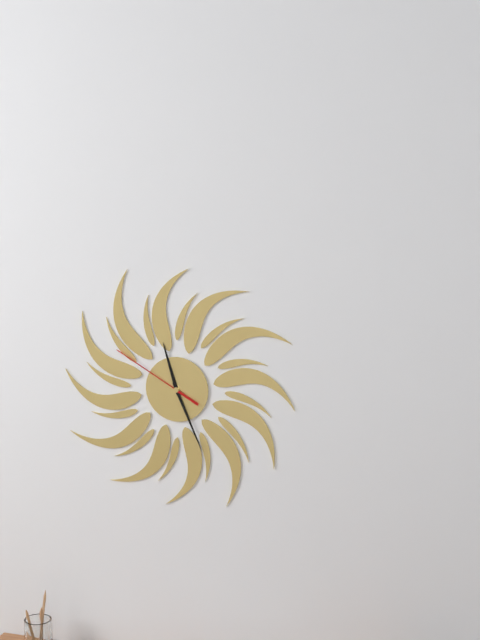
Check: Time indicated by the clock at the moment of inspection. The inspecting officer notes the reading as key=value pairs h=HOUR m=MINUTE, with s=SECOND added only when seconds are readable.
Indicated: h=11 m=26 s=50
